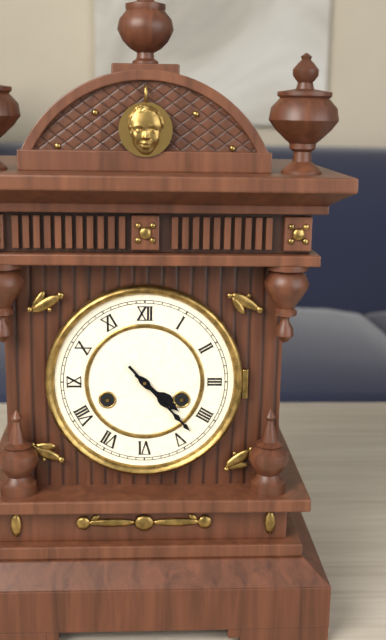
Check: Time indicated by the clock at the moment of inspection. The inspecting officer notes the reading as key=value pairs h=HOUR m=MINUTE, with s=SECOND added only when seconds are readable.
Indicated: h=4 m=23
